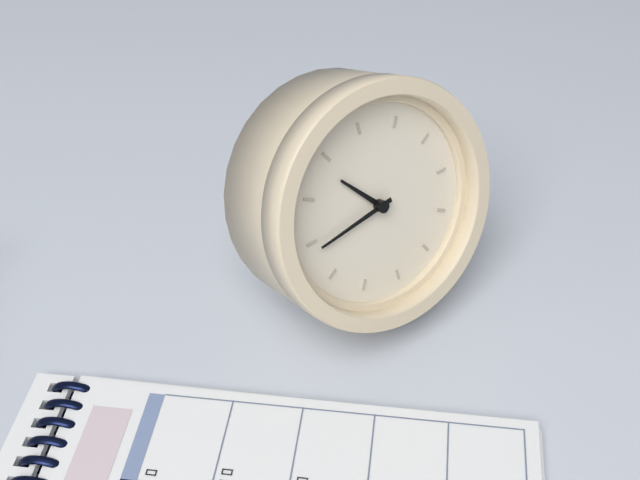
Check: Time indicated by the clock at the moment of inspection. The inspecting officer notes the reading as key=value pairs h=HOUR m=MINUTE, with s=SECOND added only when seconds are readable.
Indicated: h=10 m=44
